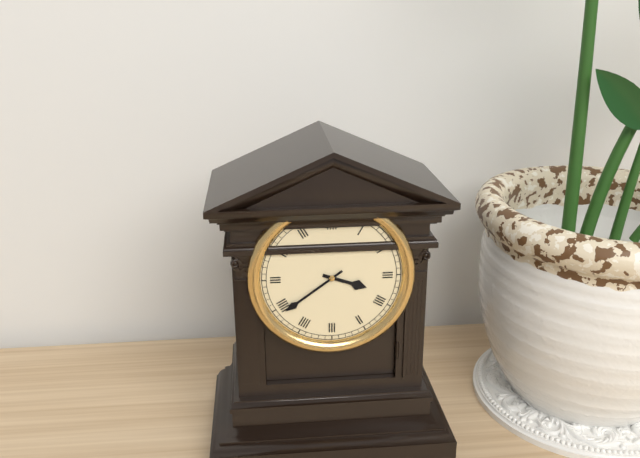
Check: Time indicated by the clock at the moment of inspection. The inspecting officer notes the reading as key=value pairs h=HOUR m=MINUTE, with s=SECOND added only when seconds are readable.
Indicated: h=3 m=39
